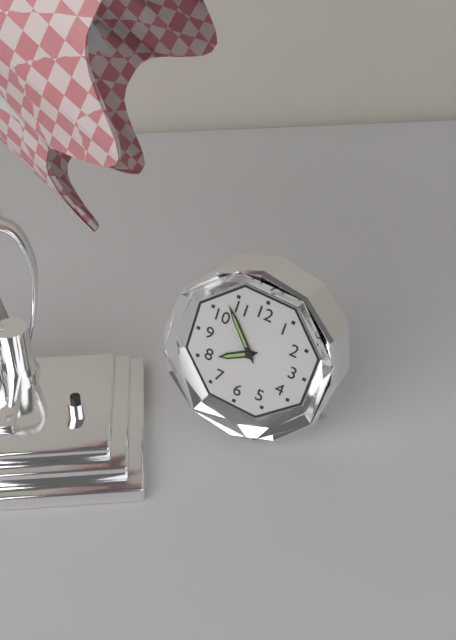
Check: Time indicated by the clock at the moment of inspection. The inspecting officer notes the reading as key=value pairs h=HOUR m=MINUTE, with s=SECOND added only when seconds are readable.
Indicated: h=7 m=53
